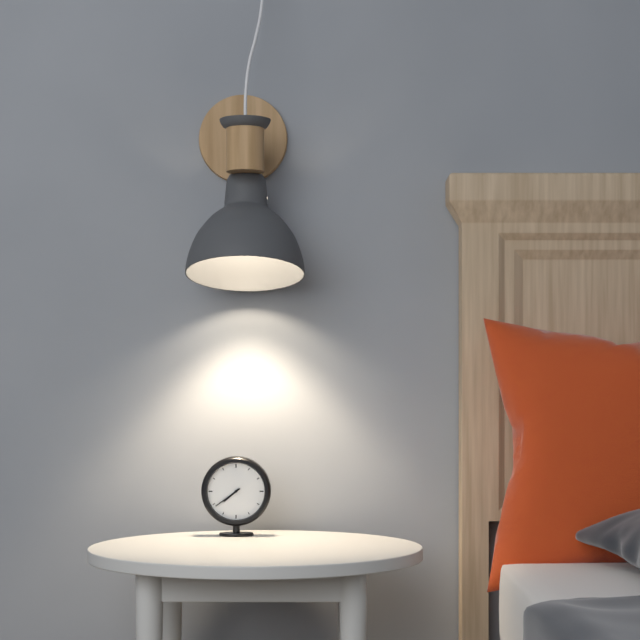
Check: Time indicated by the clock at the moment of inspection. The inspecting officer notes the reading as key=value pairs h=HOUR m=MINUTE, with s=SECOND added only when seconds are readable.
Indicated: h=7 m=39
